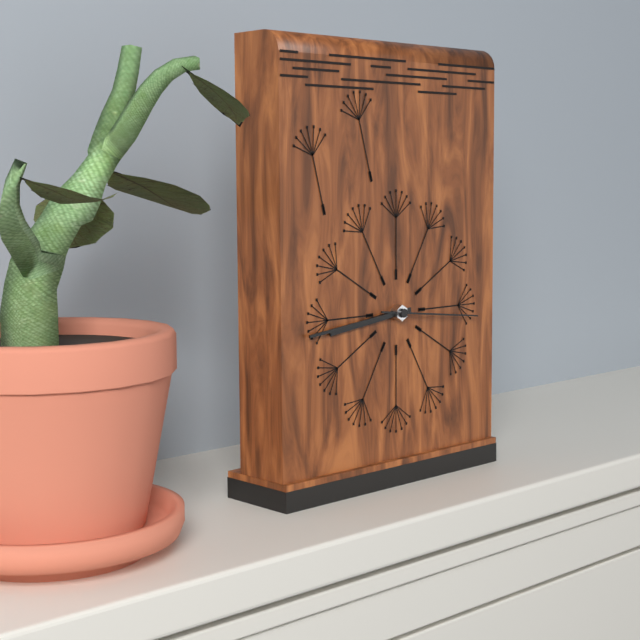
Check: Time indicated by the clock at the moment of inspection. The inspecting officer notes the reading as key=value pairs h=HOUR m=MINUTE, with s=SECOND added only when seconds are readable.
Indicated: h=8 m=44 s=16
